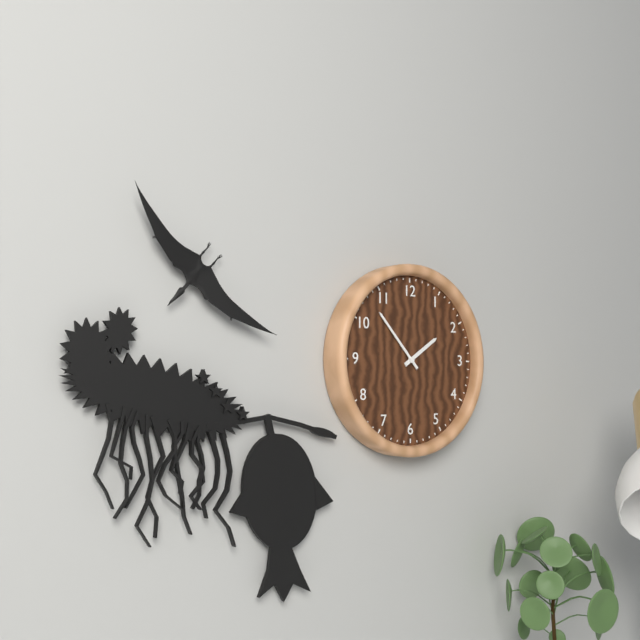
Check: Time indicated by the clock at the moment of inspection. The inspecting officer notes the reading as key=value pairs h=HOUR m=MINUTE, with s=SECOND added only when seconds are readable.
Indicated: h=1 m=53
